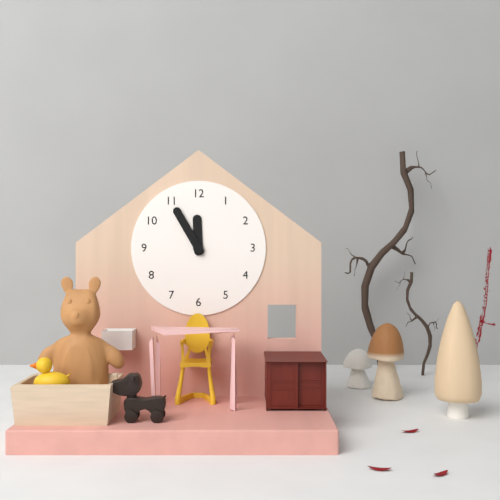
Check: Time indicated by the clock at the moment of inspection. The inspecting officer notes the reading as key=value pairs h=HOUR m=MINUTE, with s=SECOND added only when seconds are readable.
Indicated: h=11 m=55
